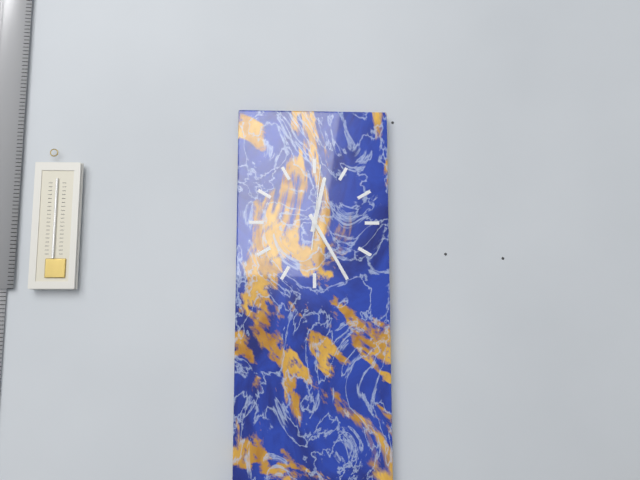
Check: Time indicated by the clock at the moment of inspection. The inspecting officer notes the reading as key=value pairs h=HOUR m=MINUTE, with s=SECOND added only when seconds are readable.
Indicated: h=12 m=25 s=1
